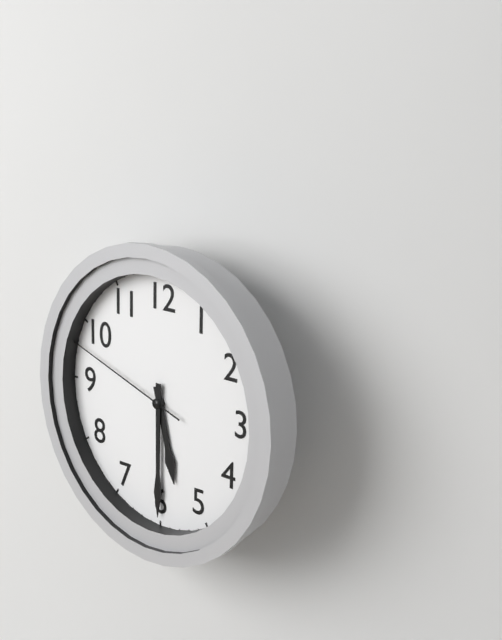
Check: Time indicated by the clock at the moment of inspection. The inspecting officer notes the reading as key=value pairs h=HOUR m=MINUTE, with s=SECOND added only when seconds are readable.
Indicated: h=5 m=30 s=48
